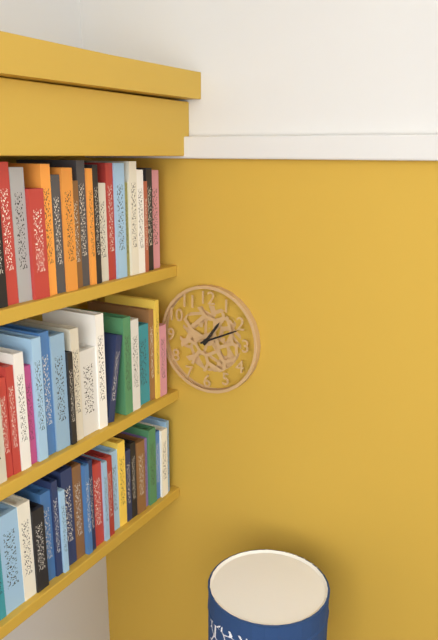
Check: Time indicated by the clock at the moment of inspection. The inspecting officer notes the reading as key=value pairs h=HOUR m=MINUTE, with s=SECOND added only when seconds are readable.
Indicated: h=1 m=11
